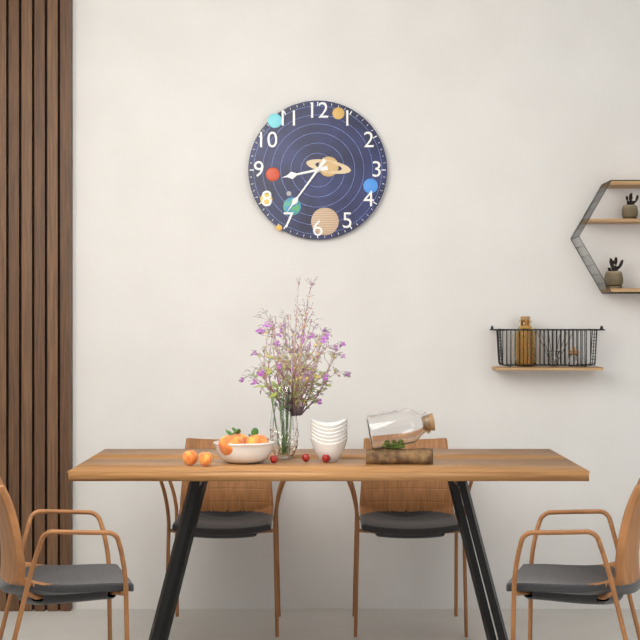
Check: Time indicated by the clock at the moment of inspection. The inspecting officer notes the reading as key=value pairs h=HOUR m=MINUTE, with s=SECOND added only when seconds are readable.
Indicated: h=8 m=36
